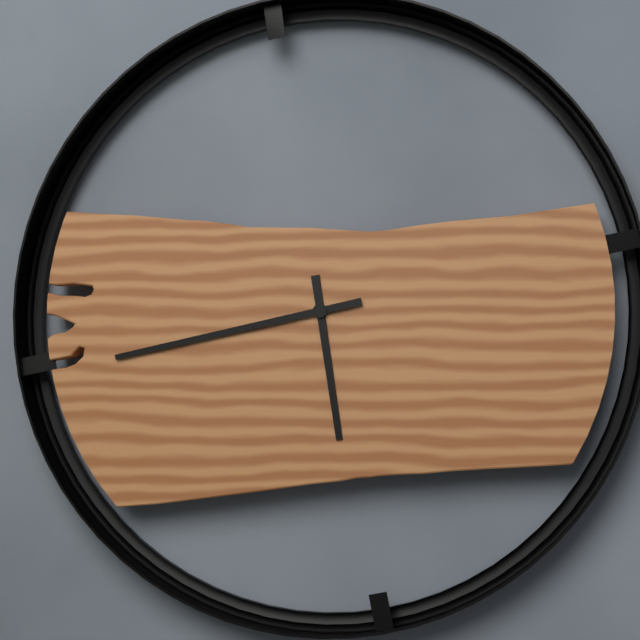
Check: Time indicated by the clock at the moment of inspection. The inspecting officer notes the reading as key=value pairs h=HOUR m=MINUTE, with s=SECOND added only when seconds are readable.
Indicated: h=5 m=43
